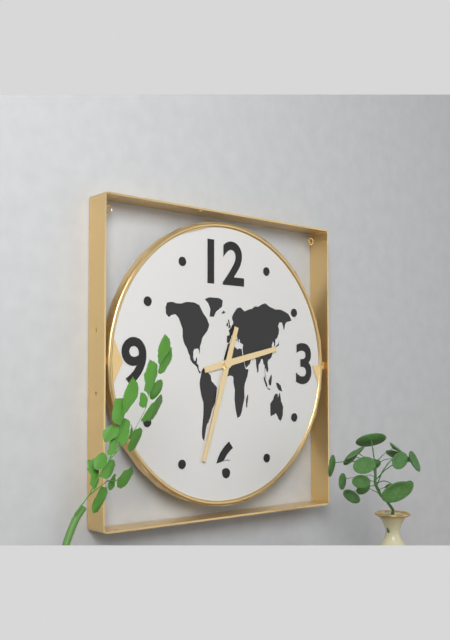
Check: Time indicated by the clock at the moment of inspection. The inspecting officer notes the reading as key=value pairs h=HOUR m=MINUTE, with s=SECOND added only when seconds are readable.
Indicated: h=2 m=33
